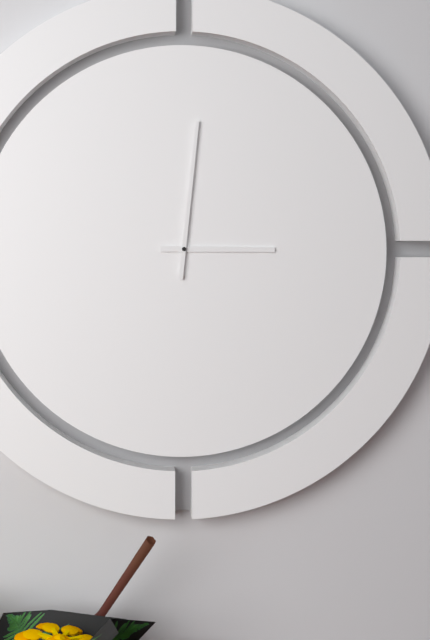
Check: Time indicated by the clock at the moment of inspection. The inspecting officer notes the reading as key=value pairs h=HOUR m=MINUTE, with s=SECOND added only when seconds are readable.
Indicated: h=3 m=1
